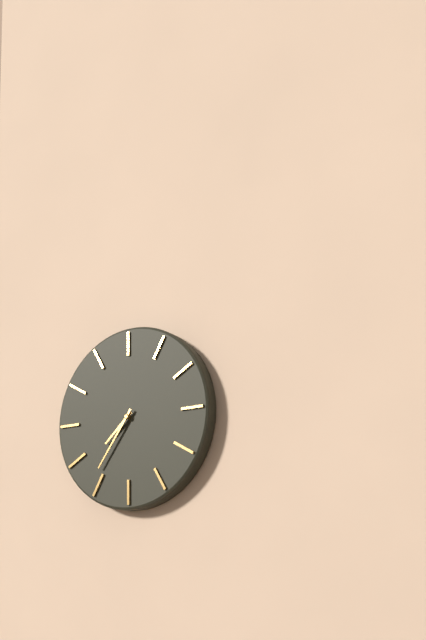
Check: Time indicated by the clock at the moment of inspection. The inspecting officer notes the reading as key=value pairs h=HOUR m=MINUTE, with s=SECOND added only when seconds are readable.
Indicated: h=7 m=36
